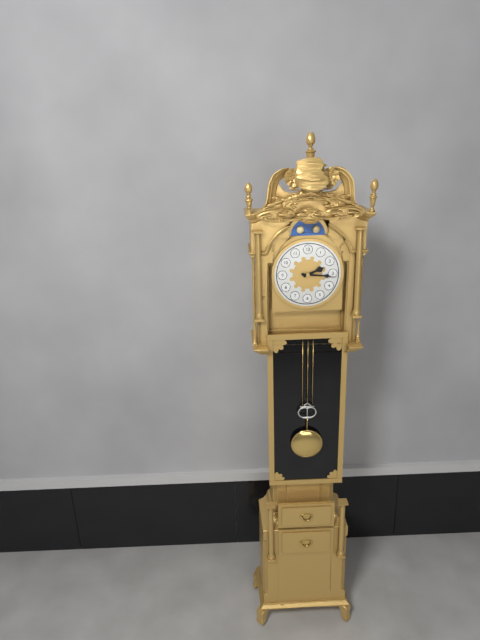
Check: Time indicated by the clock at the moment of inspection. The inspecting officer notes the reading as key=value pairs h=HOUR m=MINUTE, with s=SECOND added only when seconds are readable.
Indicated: h=2 m=16
